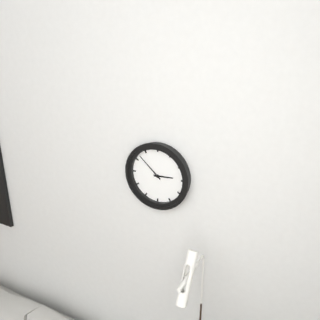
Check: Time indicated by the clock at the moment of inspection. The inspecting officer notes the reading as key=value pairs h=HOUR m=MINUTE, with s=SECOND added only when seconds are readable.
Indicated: h=2 m=52
